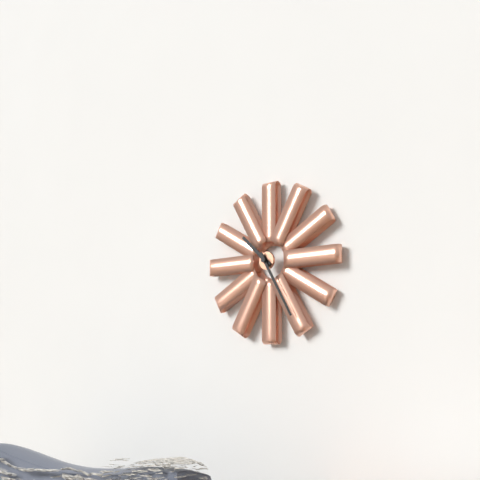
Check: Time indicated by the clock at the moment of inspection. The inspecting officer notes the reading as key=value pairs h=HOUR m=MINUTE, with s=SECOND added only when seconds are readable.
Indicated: h=10 m=25
